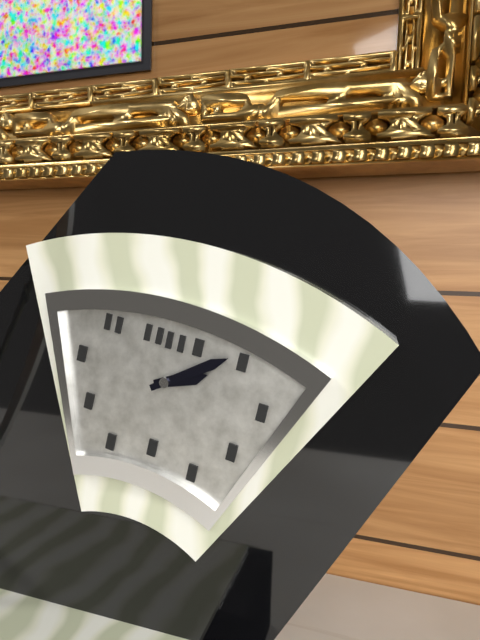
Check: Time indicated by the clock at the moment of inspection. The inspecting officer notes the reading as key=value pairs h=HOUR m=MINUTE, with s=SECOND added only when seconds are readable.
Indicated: h=2 m=9
